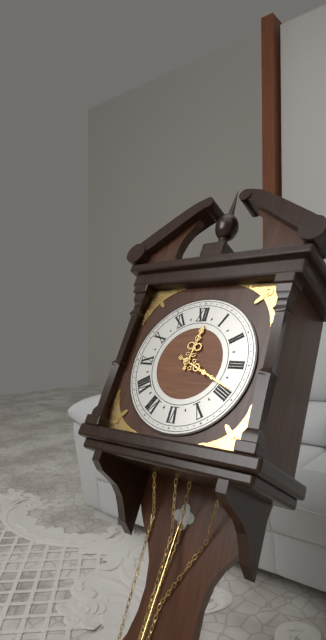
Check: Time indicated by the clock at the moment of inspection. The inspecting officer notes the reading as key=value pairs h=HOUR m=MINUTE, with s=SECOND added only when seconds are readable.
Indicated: h=12 m=19
